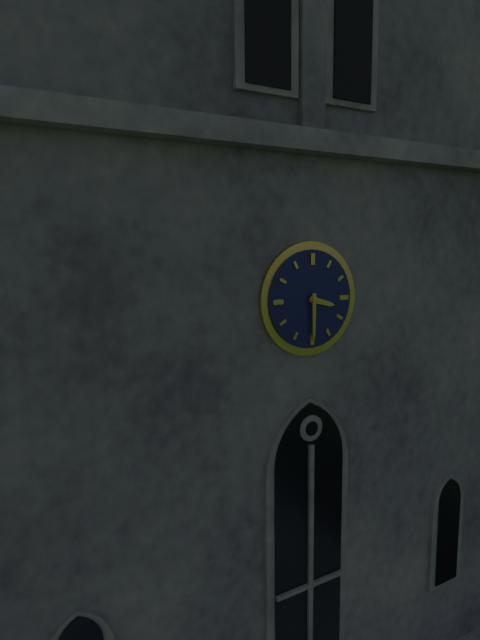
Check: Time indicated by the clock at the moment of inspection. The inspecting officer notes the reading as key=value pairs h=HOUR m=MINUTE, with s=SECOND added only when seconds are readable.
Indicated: h=3 m=30
